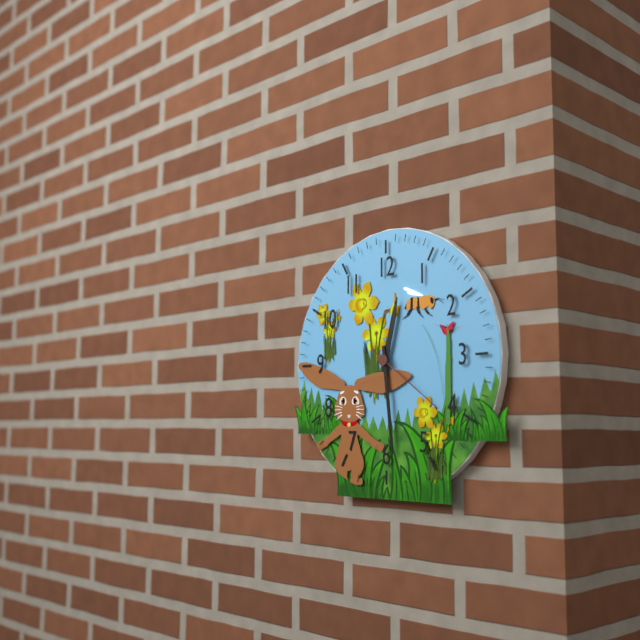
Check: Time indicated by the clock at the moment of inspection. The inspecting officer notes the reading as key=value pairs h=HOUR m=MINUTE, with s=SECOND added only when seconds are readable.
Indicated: h=12 m=29 s=21
